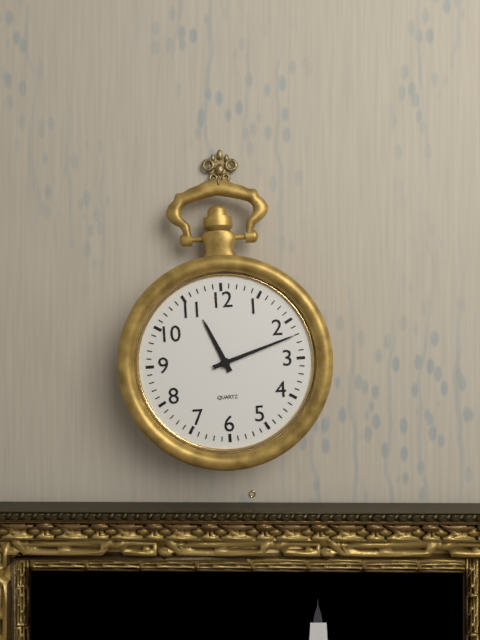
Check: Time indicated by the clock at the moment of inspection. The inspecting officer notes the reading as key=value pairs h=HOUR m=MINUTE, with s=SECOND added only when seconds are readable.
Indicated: h=11 m=12
